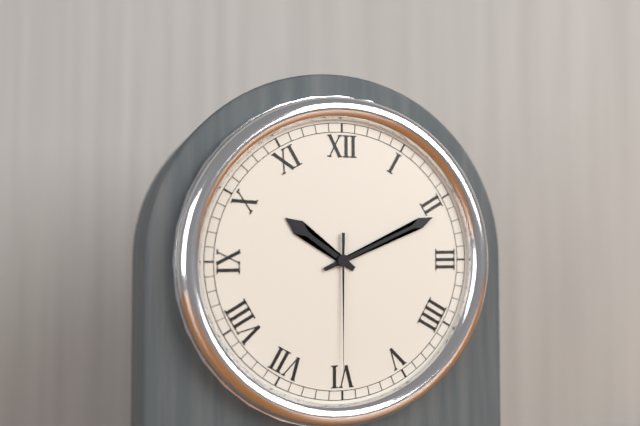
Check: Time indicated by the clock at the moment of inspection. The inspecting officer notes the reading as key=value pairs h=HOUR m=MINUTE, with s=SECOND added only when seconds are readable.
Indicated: h=10 m=11 s=30
